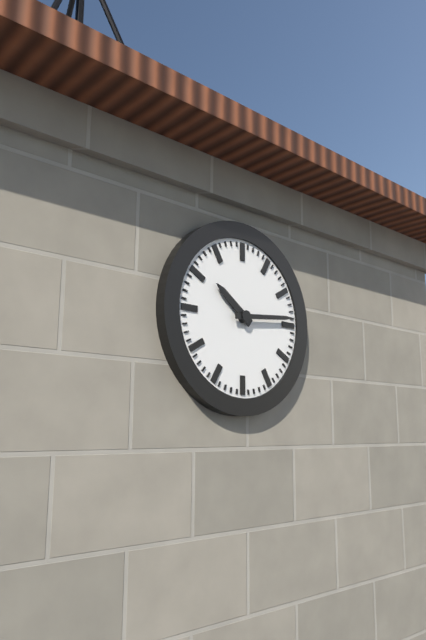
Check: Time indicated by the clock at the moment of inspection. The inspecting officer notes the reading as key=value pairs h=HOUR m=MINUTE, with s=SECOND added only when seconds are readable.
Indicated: h=10 m=14
